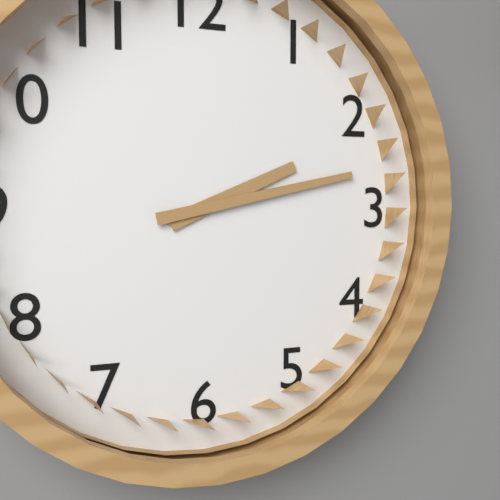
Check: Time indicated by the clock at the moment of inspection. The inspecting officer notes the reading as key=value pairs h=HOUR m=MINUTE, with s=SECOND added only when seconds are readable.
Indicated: h=2 m=13
